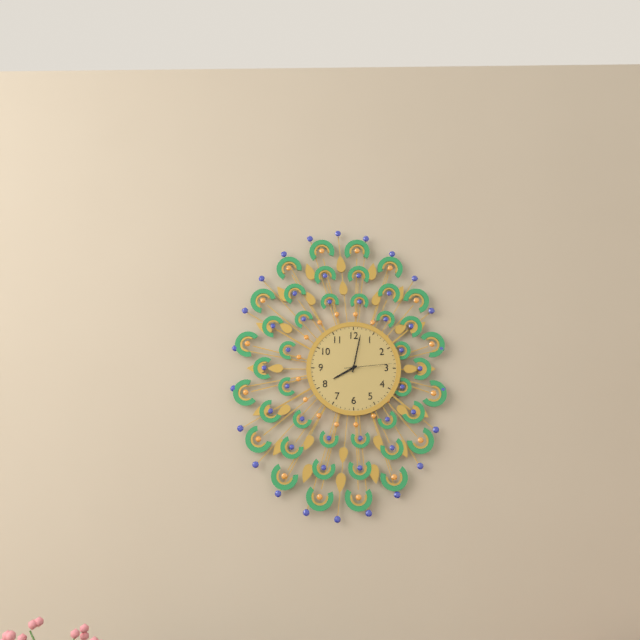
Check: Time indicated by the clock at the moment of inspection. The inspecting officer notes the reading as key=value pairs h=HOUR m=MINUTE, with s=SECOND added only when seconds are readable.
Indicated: h=8 m=2 s=14
